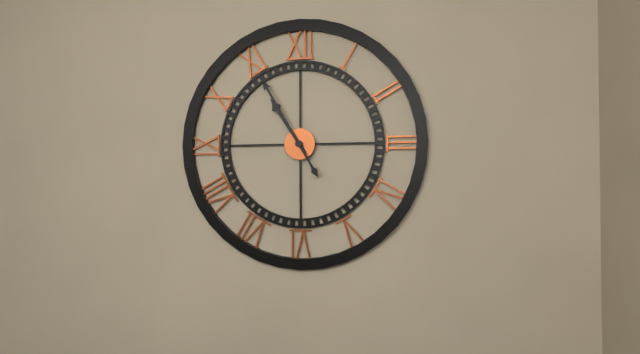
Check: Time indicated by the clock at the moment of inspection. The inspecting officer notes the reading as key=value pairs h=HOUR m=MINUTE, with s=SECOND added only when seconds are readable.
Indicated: h=10 m=55
